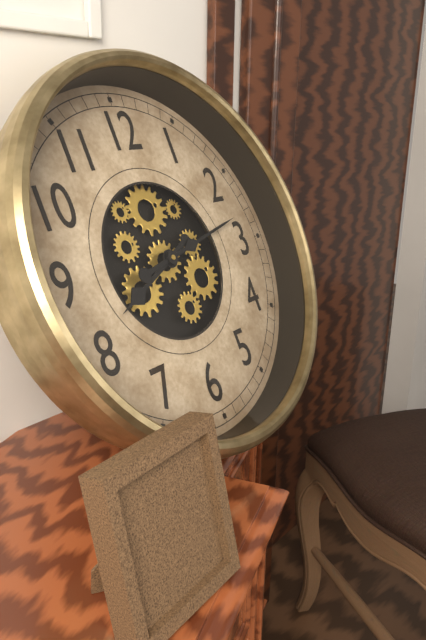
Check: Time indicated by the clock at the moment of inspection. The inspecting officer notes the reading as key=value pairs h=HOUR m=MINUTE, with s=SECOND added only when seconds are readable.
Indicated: h=8 m=13
